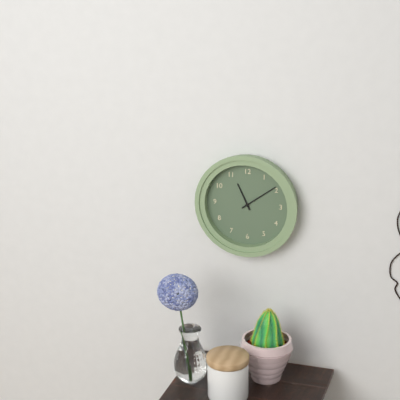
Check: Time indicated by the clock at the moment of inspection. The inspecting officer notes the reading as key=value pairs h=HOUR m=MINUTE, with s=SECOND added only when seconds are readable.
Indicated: h=11 m=9
